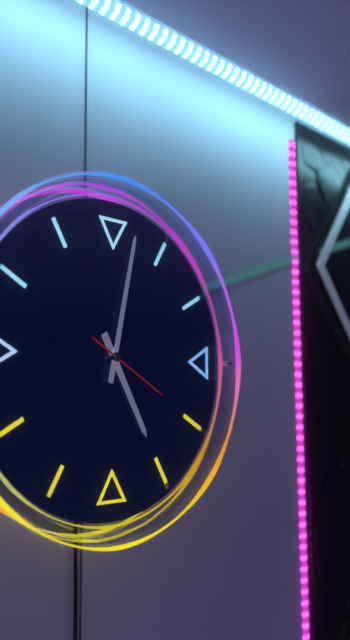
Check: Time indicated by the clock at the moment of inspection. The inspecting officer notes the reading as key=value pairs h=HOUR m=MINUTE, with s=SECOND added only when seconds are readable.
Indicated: h=5 m=2 s=20
